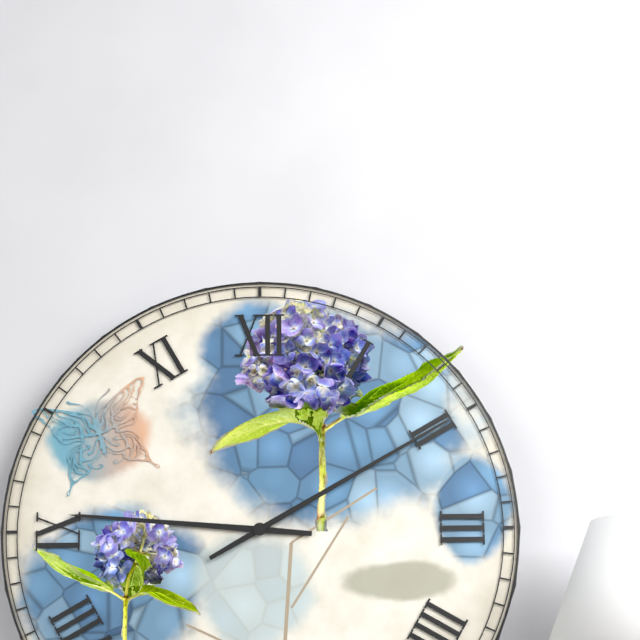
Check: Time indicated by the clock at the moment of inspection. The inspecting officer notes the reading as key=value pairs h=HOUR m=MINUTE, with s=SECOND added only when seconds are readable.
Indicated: h=9 m=10
